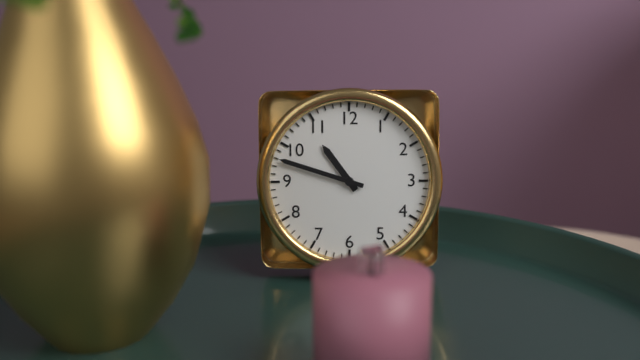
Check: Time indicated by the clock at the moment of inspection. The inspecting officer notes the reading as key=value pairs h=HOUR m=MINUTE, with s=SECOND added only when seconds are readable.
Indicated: h=10 m=48
